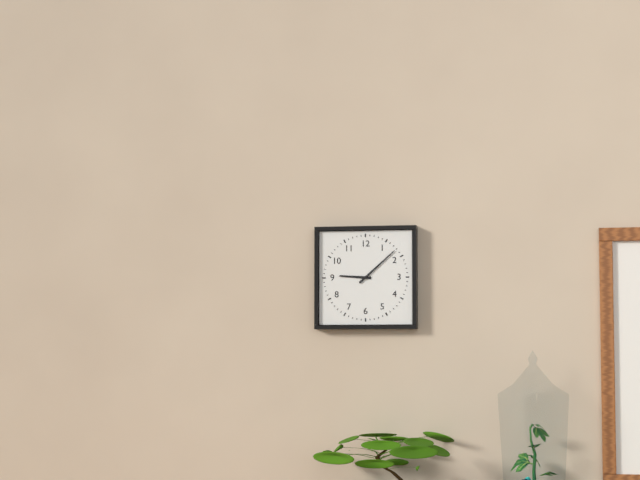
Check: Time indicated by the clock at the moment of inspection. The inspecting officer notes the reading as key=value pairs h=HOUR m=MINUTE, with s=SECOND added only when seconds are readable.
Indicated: h=9 m=8
